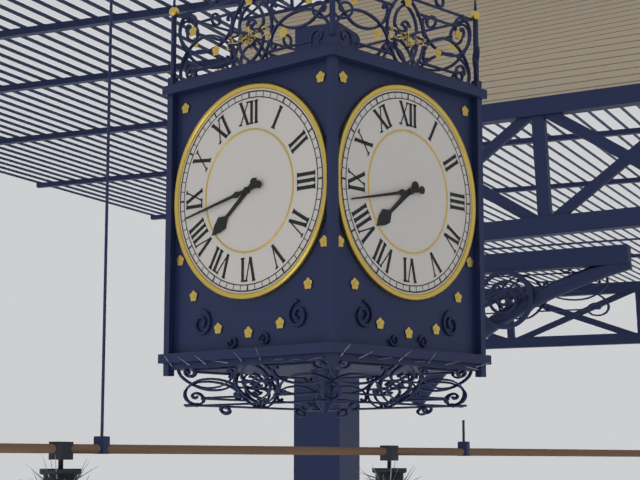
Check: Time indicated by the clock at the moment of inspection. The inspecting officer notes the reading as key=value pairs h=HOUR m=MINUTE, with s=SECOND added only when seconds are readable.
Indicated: h=7 m=43
